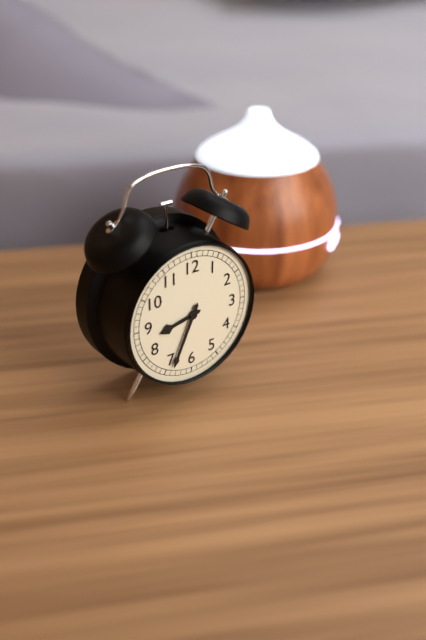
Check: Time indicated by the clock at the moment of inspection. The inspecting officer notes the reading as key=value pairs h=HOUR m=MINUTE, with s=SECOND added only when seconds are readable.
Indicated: h=8 m=34
